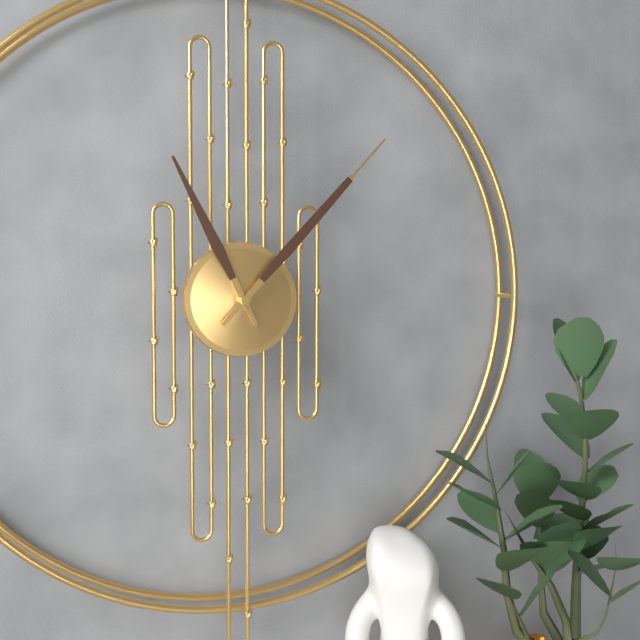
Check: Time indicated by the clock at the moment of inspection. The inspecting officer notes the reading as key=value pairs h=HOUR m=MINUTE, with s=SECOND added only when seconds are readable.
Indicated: h=11 m=7
